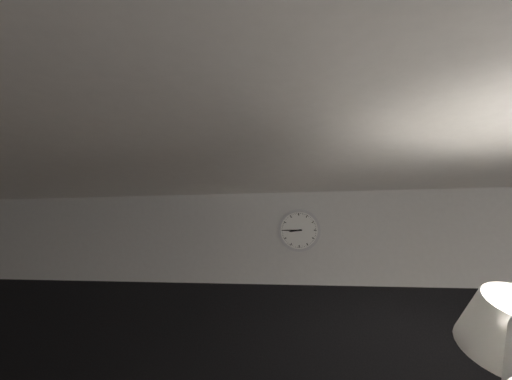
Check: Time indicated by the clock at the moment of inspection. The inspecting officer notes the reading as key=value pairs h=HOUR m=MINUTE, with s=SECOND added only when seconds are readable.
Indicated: h=8 m=45
